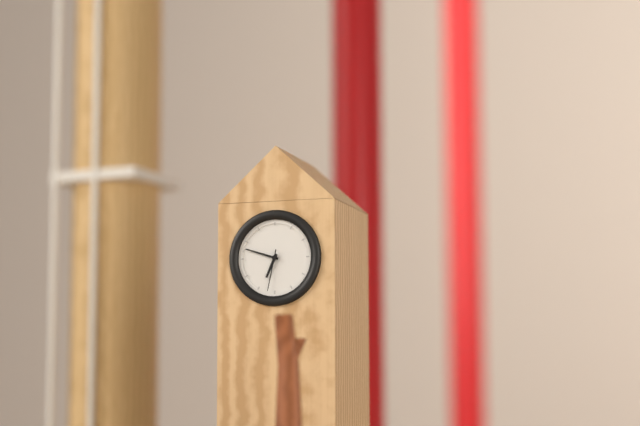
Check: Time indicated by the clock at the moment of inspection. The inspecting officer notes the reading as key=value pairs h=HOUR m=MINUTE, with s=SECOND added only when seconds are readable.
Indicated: h=6 m=48
